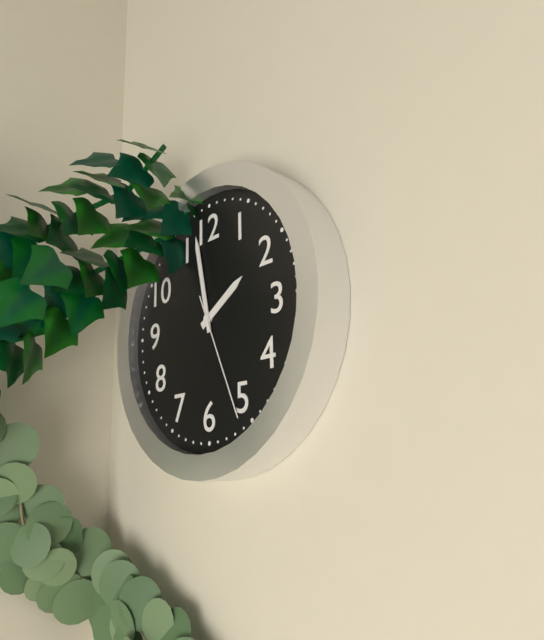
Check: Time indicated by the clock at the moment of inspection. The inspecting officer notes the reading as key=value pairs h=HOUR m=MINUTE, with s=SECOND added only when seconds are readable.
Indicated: h=1 m=58 s=26
